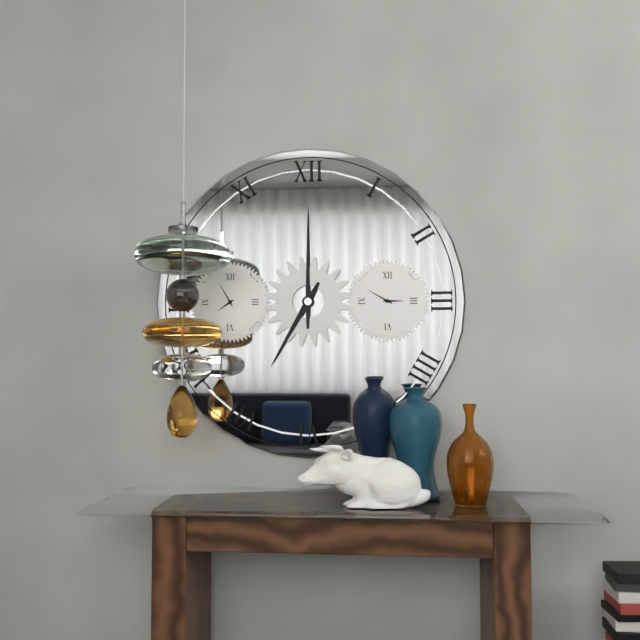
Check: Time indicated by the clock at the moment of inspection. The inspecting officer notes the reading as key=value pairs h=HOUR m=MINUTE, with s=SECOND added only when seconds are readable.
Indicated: h=7 m=0
